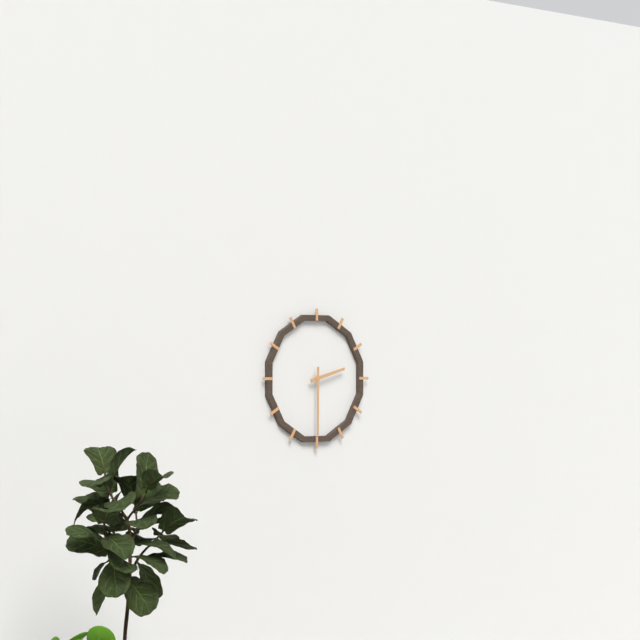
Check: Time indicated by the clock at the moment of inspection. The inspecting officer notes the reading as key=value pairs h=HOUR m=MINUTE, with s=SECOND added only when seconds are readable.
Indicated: h=2 m=30
